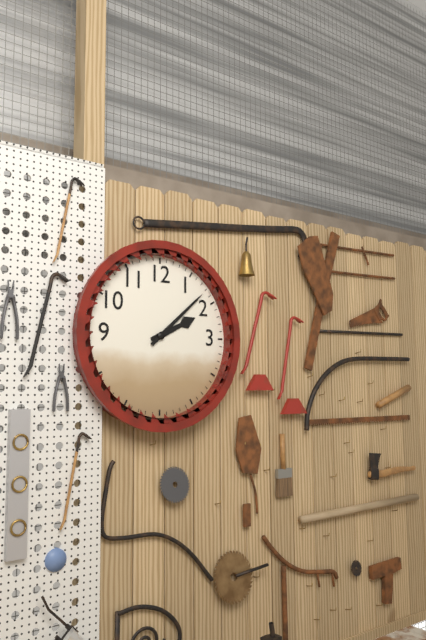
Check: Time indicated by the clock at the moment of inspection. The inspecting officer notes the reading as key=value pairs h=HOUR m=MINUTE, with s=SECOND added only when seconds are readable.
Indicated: h=2 m=8
